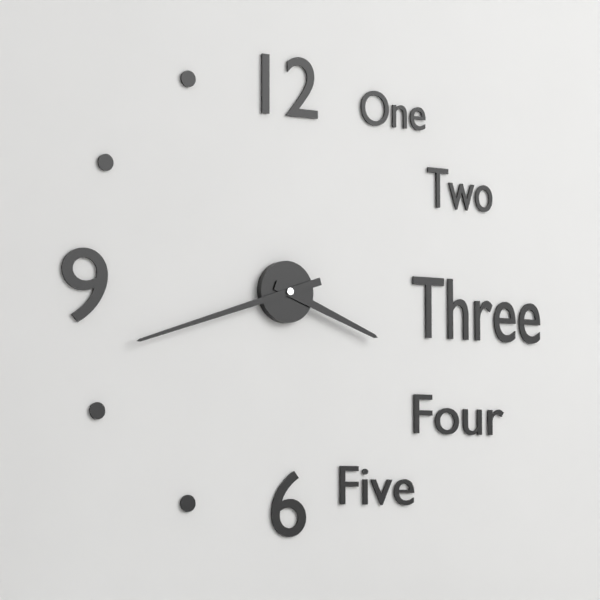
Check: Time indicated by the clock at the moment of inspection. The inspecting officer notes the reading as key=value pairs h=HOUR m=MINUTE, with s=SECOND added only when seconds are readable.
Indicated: h=3 m=42
